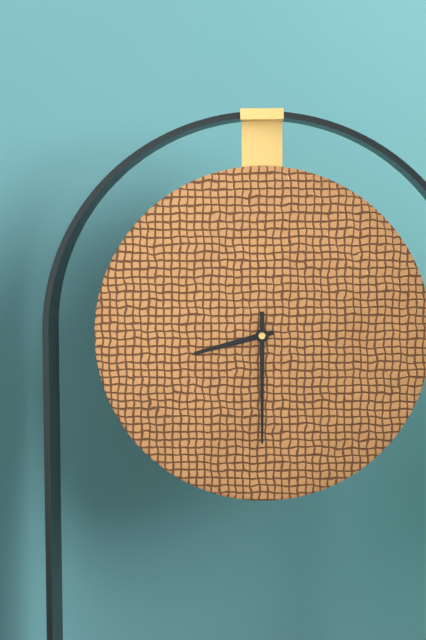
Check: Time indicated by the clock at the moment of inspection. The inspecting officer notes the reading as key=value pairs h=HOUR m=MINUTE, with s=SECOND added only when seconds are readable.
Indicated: h=8 m=30
